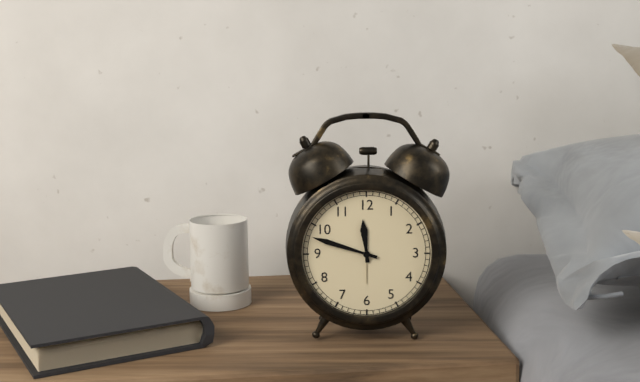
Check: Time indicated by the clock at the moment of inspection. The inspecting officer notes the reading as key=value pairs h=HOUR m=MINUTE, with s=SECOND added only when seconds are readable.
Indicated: h=11 m=48
